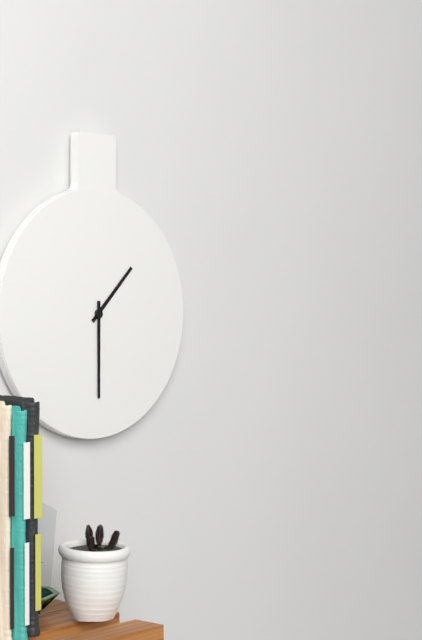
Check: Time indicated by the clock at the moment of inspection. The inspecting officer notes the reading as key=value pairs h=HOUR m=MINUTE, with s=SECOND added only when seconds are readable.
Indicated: h=1 m=30
